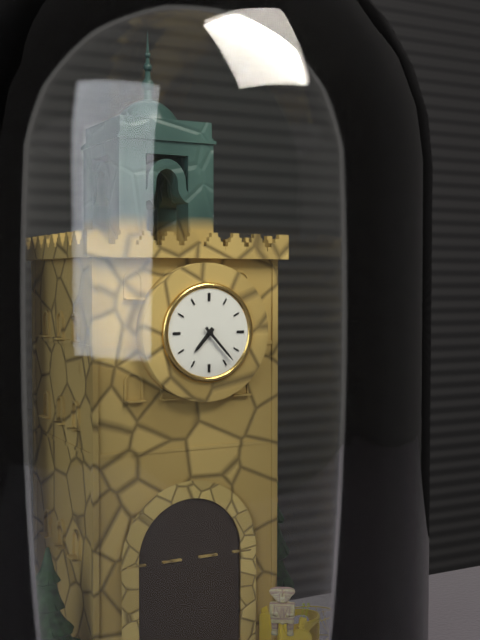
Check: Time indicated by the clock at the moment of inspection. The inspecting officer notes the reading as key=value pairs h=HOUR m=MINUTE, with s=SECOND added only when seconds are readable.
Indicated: h=7 m=23
